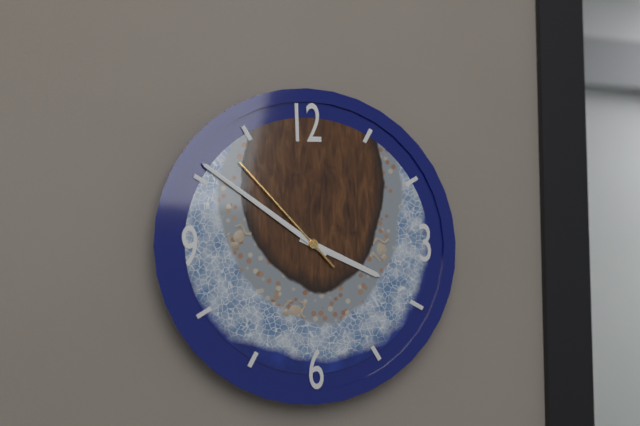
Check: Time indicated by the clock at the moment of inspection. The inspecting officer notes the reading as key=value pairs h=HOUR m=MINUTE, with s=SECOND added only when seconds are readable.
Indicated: h=3 m=51 s=53
